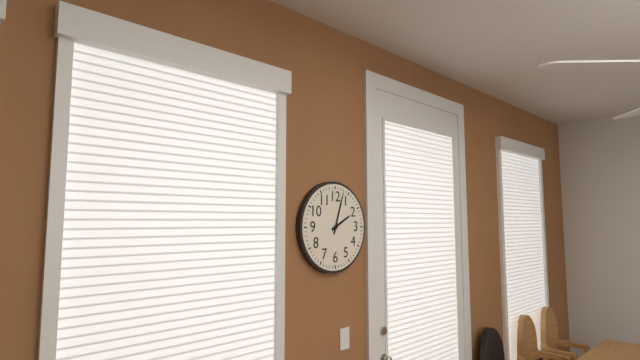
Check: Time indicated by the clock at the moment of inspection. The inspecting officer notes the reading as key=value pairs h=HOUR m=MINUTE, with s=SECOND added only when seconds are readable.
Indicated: h=2 m=3
